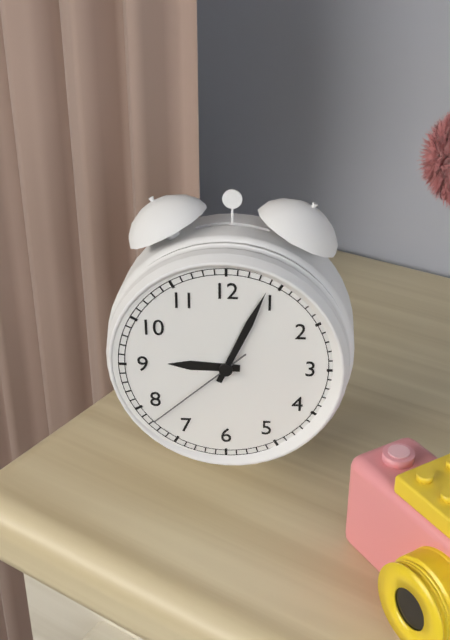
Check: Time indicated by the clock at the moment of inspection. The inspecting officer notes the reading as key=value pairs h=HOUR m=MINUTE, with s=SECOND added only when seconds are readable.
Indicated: h=9 m=4 s=38
